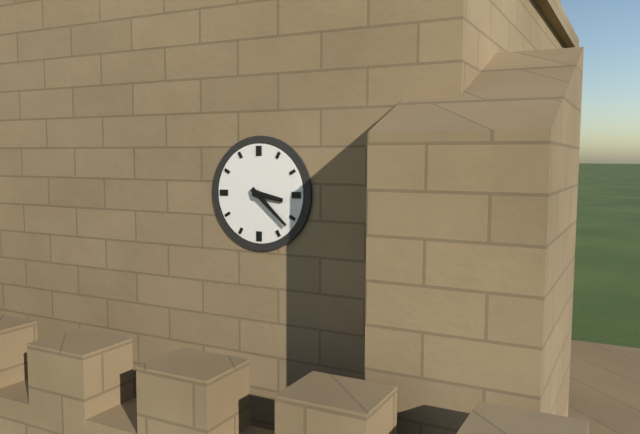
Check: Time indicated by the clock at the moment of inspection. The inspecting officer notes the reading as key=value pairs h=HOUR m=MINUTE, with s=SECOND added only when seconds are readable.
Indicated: h=3 m=22
